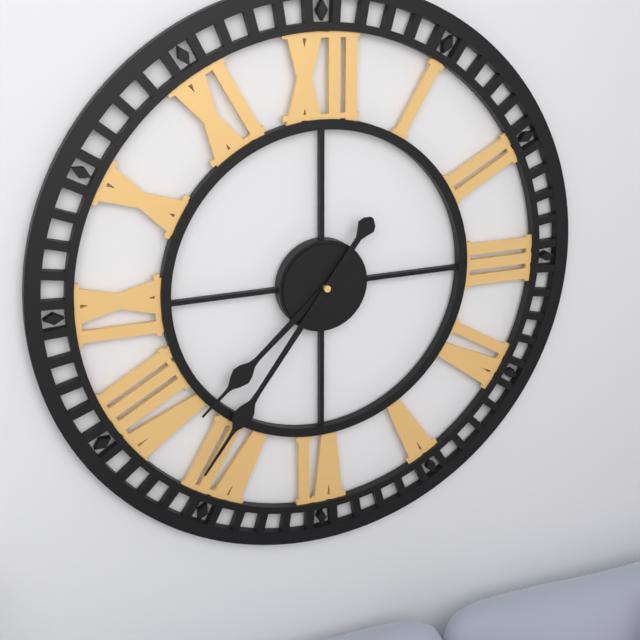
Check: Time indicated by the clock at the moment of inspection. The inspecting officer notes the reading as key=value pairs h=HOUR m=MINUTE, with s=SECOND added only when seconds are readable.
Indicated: h=7 m=36
